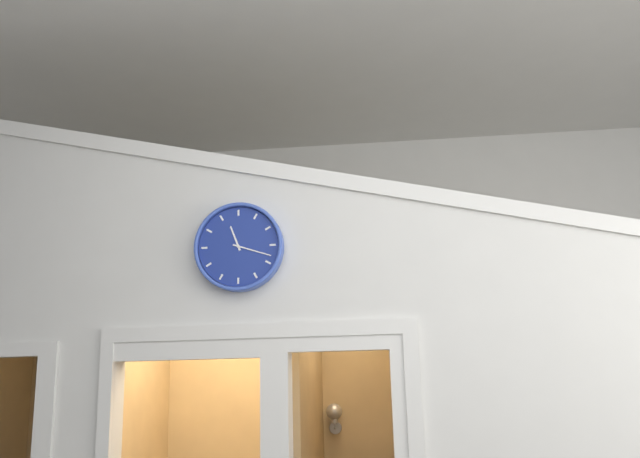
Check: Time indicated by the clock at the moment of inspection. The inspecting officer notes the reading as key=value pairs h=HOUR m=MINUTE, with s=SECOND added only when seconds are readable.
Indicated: h=11 m=18
